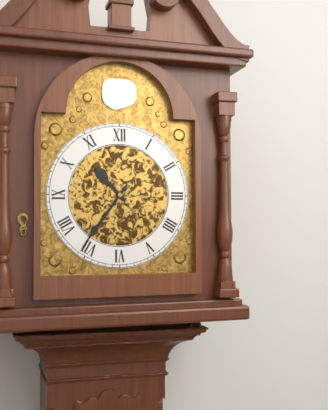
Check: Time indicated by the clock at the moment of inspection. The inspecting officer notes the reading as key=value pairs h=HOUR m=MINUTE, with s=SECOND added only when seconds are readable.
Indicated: h=10 m=36
